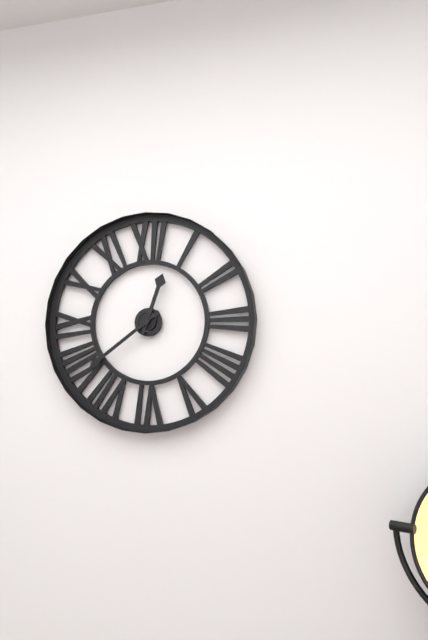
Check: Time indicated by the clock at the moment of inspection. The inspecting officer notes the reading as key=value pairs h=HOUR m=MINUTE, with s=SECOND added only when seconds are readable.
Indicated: h=12 m=39
